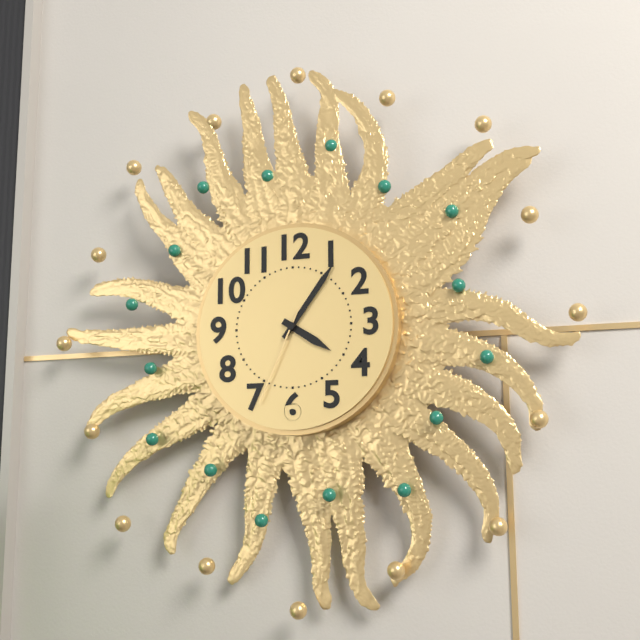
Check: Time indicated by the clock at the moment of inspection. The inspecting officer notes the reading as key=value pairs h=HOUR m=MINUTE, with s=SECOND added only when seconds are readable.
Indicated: h=4 m=6 s=34
